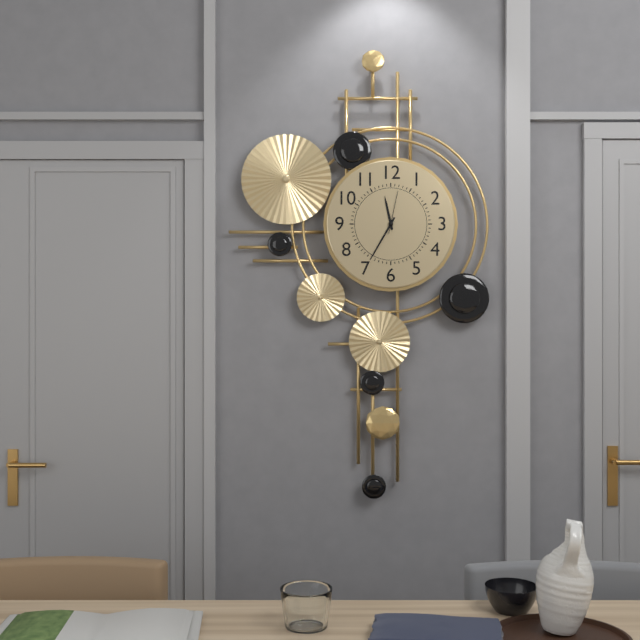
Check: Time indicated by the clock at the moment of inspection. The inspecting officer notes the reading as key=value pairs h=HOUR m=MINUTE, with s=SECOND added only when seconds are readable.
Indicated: h=11 m=35
